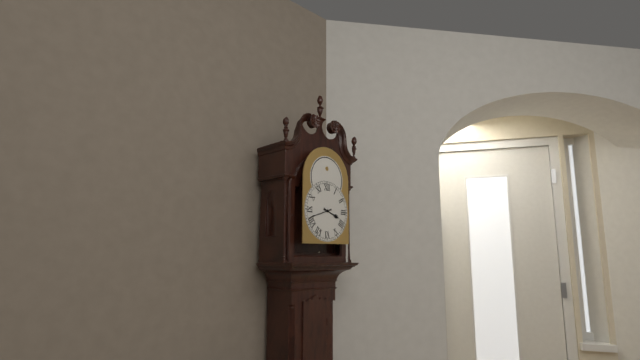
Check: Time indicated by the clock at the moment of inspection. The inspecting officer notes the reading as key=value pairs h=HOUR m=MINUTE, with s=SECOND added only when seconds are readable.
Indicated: h=3 m=42
